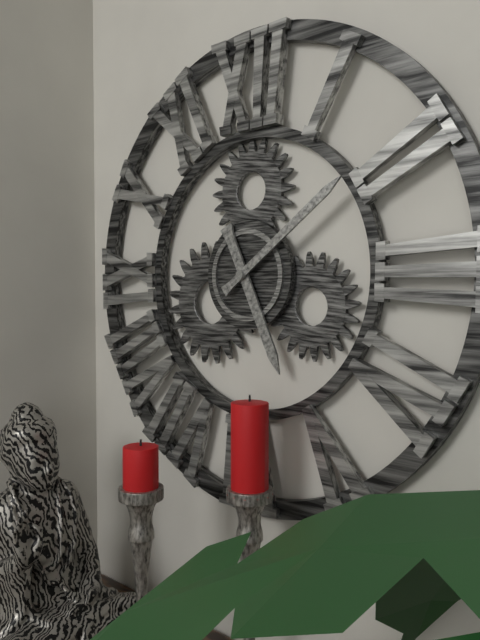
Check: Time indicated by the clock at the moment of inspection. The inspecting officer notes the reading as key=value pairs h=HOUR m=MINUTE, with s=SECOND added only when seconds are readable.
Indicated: h=5 m=9
